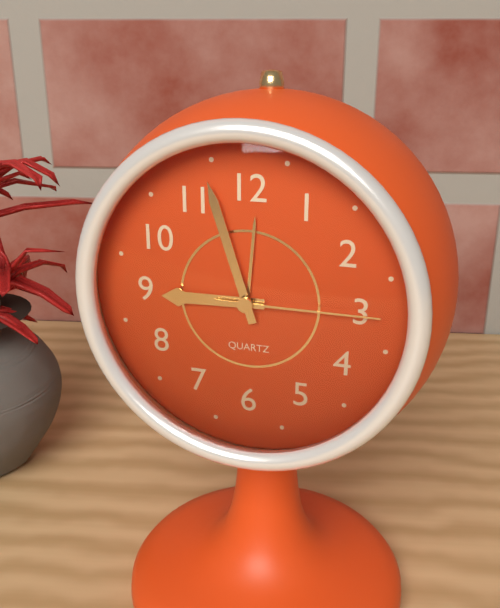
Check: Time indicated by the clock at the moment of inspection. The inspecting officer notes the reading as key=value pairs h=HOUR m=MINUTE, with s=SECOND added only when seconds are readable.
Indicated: h=8 m=57 s=15
